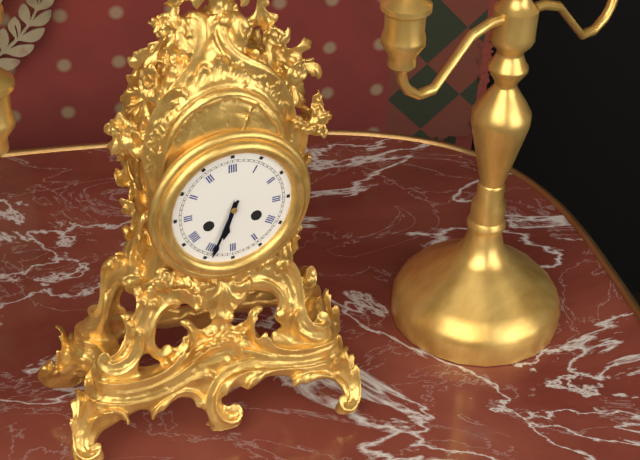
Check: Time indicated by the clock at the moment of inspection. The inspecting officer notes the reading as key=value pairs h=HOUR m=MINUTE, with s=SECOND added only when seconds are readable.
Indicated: h=6 m=34
